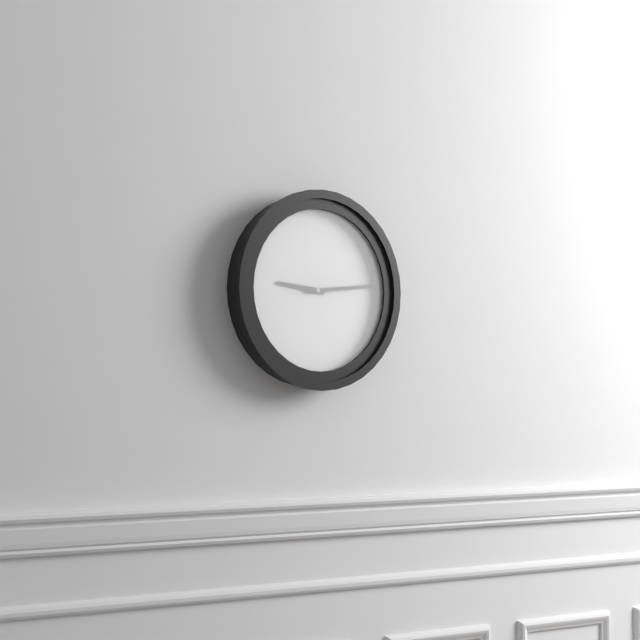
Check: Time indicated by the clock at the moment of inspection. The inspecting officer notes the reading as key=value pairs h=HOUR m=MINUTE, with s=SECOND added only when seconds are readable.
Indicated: h=9 m=14
